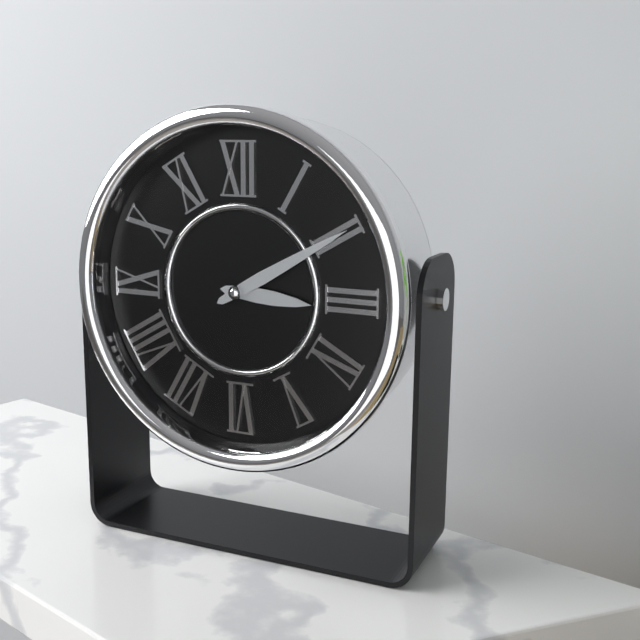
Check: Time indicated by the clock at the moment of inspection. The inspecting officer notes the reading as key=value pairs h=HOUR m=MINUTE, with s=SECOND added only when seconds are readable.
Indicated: h=3 m=10
